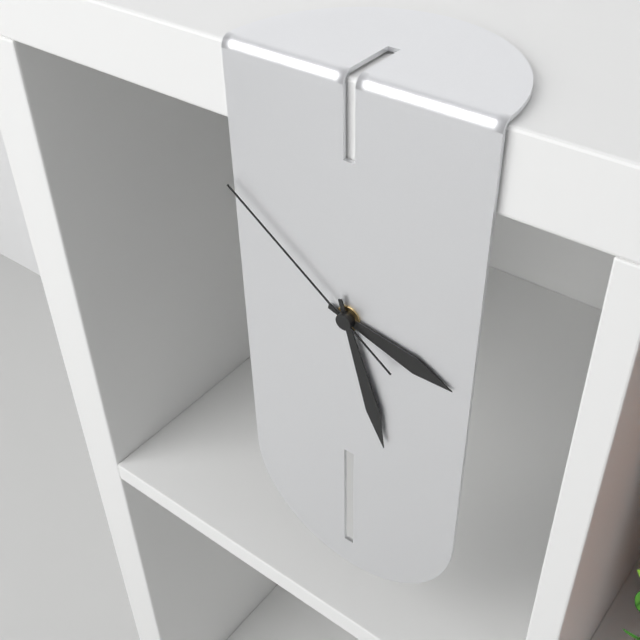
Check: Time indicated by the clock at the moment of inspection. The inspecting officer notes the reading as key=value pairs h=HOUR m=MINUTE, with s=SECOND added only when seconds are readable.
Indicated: h=3 m=27 s=51
